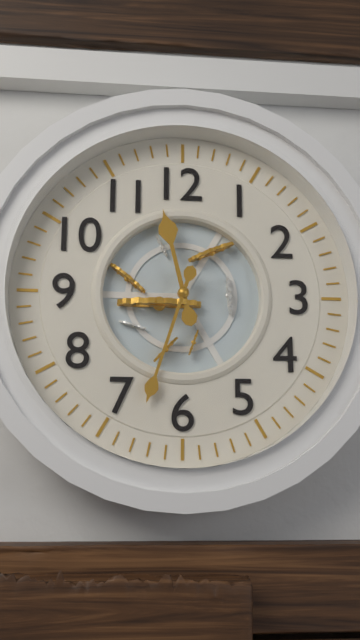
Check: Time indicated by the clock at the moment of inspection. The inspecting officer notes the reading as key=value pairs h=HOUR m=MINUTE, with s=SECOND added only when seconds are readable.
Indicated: h=11 m=33
